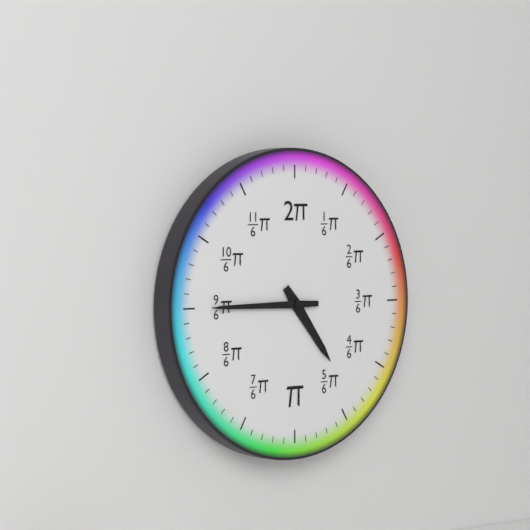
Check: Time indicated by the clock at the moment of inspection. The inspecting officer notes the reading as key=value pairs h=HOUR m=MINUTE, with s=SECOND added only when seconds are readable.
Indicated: h=4 m=45
